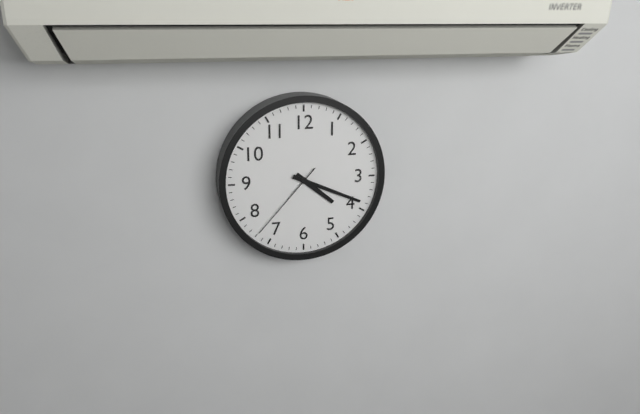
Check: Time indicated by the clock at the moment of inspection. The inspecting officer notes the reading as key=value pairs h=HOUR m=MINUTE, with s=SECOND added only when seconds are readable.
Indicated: h=4 m=19 s=37
